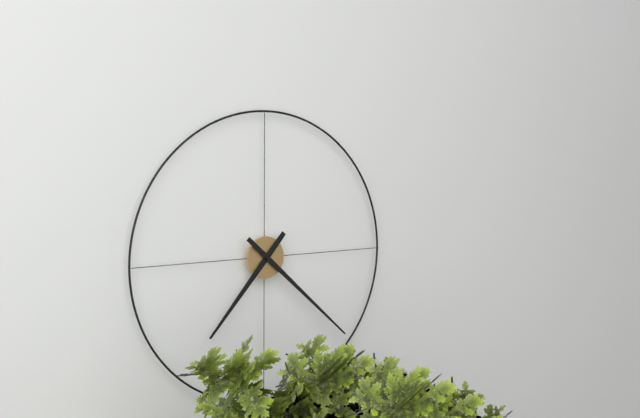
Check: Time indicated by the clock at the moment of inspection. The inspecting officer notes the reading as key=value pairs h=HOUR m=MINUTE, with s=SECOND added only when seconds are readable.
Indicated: h=7 m=22
